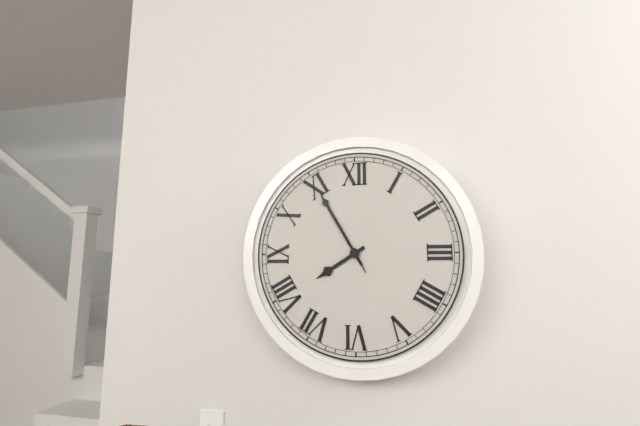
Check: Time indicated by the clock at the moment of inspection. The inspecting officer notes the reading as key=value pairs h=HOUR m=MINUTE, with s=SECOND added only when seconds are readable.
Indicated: h=7 m=55 s=55
